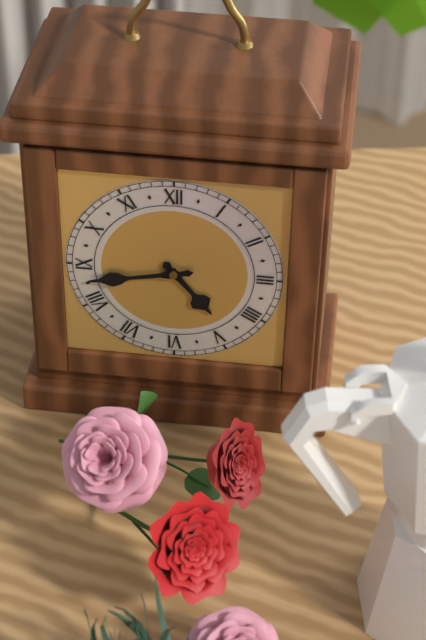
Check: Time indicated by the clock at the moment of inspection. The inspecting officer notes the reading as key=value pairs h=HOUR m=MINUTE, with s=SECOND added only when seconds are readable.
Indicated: h=4 m=43
